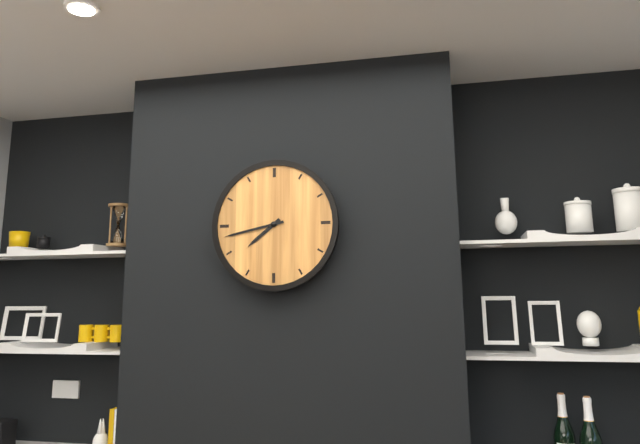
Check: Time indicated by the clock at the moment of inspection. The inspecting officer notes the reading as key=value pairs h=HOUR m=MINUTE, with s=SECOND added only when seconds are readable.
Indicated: h=7 m=43
